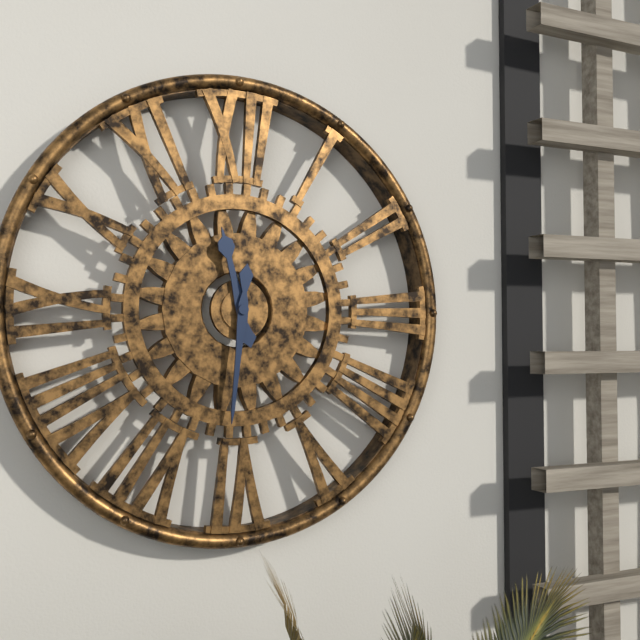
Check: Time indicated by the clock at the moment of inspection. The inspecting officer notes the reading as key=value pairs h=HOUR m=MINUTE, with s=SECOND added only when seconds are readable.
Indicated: h=11 m=31
